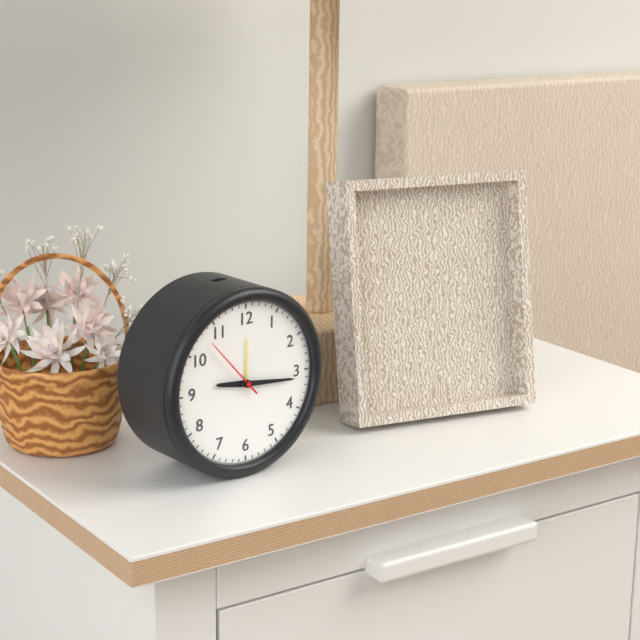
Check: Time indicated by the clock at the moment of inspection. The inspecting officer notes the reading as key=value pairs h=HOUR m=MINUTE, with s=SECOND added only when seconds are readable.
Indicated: h=9 m=16 s=53
